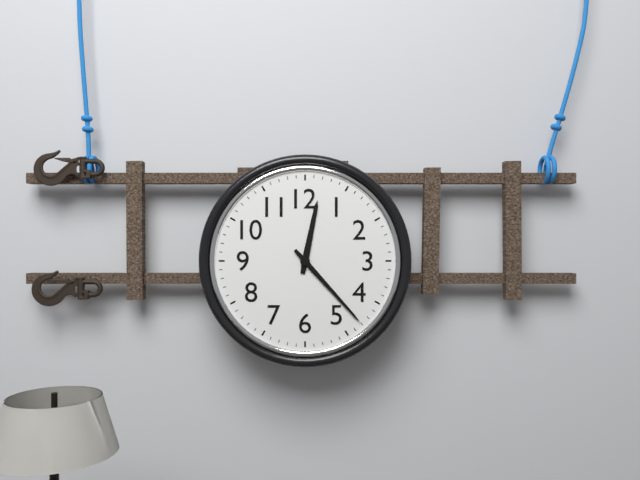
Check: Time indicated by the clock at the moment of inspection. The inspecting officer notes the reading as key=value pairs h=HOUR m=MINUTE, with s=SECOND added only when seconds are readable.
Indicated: h=12 m=23
